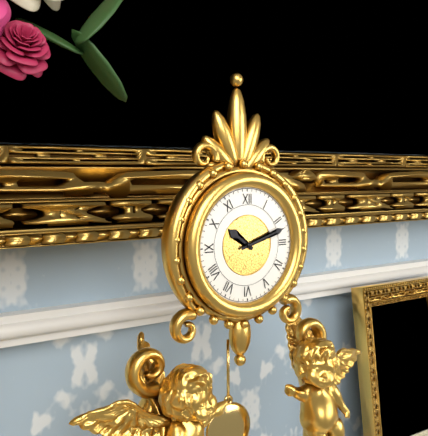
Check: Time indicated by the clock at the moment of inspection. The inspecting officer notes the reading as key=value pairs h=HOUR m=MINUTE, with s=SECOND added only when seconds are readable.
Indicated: h=10 m=12
